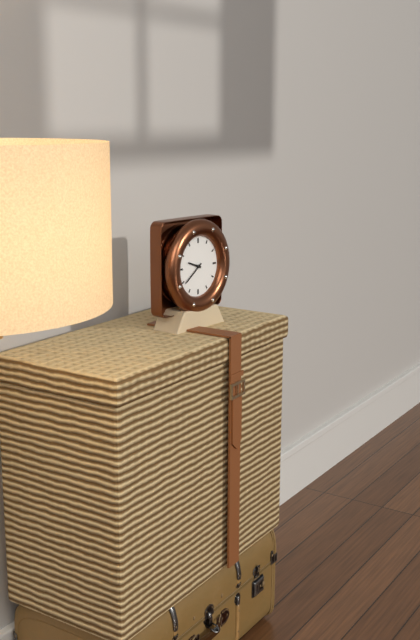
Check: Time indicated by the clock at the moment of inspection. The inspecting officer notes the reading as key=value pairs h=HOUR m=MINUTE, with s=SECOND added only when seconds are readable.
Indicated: h=9 m=39
